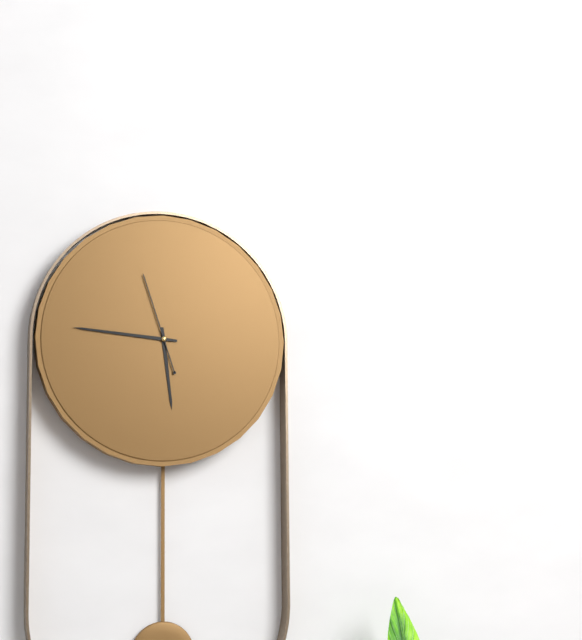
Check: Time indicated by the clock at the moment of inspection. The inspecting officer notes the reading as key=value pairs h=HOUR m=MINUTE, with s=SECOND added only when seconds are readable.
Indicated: h=5 m=46 s=57
